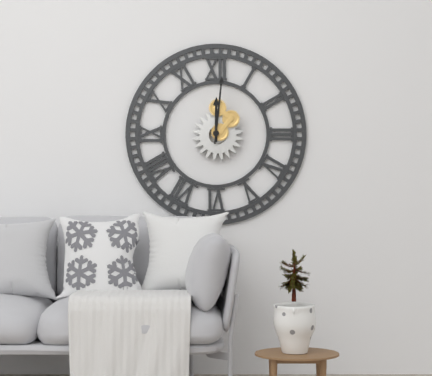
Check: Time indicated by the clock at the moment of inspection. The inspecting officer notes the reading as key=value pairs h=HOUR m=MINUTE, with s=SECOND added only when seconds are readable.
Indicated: h=12 m=1
